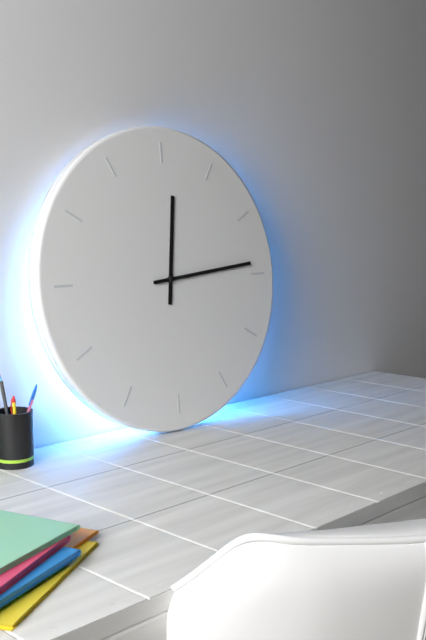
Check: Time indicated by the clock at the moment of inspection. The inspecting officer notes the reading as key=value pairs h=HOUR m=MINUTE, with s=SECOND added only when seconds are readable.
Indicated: h=12 m=14
